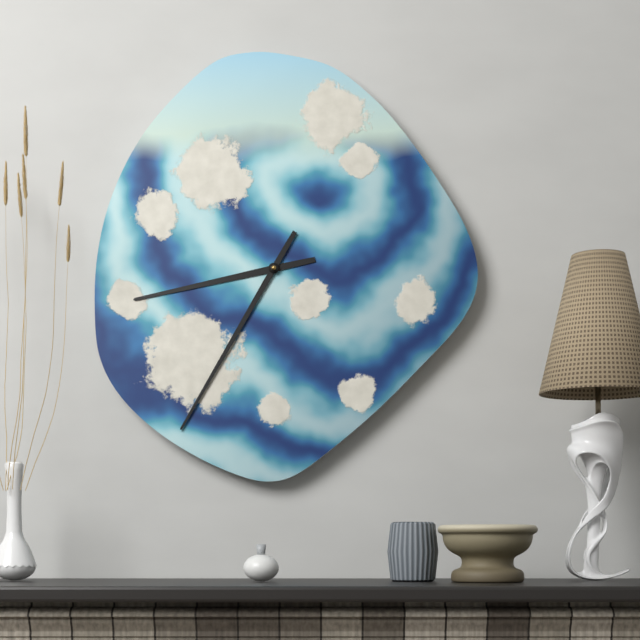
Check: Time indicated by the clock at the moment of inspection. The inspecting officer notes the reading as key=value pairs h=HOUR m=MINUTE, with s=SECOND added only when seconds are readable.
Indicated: h=8 m=35
